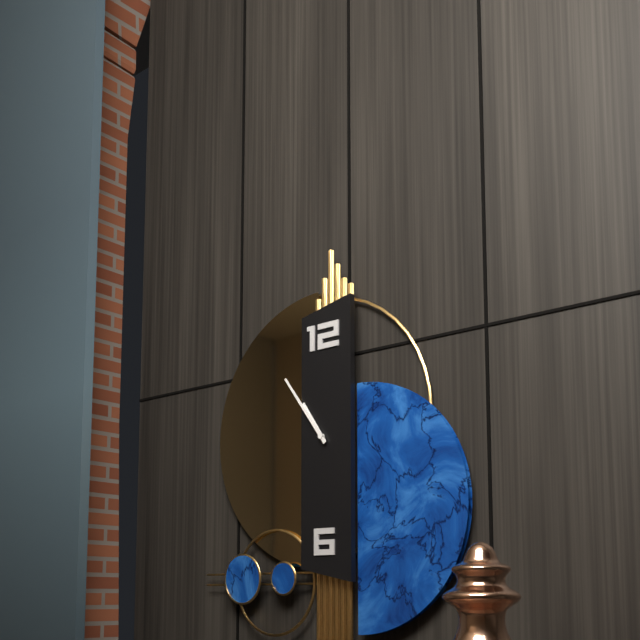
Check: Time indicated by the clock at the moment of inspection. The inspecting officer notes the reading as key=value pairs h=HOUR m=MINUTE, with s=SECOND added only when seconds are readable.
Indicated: h=10 m=54
